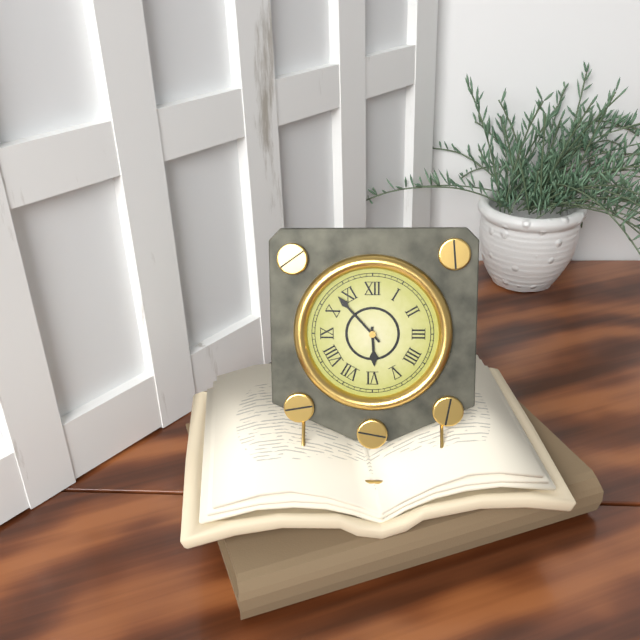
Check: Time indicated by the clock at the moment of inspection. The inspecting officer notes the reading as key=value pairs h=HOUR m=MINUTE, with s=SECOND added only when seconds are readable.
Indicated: h=5 m=53
